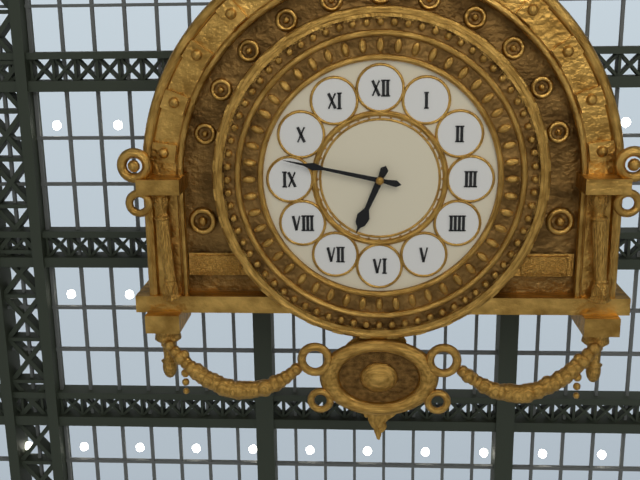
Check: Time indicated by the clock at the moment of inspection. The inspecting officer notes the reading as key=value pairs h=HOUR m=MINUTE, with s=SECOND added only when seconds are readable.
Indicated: h=6 m=47
